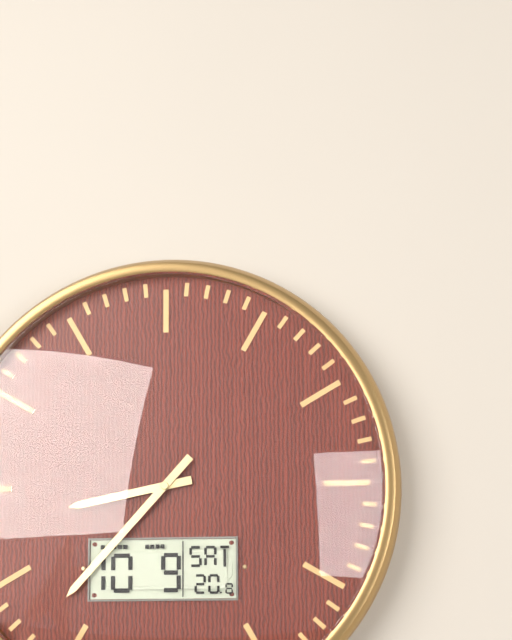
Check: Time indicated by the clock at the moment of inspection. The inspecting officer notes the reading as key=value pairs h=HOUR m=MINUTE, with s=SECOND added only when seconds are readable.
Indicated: h=8 m=37
